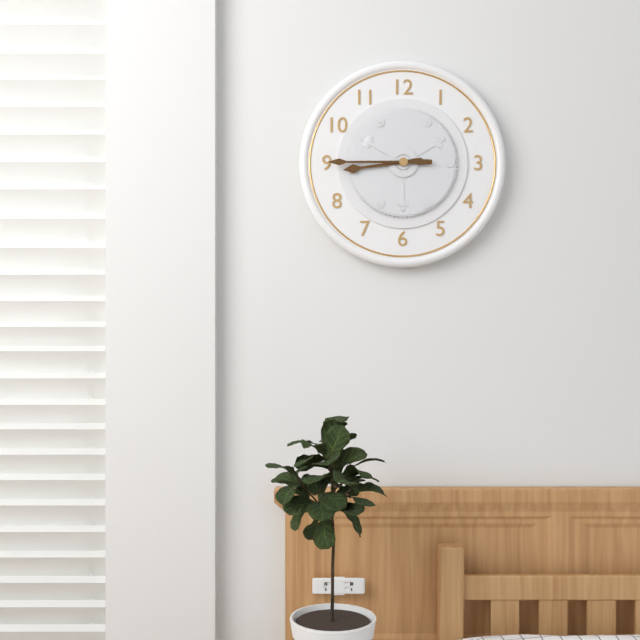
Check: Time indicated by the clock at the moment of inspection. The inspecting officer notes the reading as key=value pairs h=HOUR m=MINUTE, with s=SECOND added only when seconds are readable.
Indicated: h=8 m=45
